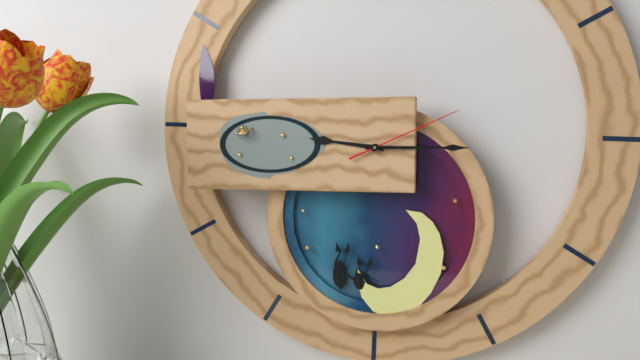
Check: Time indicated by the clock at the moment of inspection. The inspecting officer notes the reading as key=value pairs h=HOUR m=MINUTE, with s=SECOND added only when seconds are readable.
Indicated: h=9 m=15 s=11
